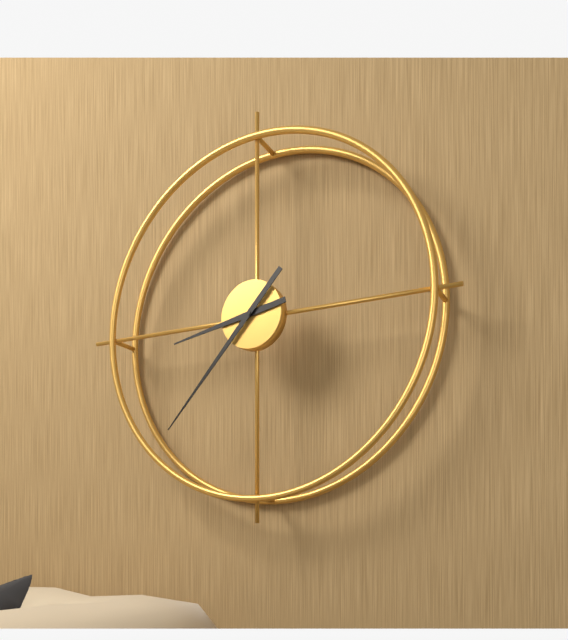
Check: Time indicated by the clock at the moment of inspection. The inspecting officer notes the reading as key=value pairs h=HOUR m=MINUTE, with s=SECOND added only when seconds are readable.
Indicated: h=8 m=37
